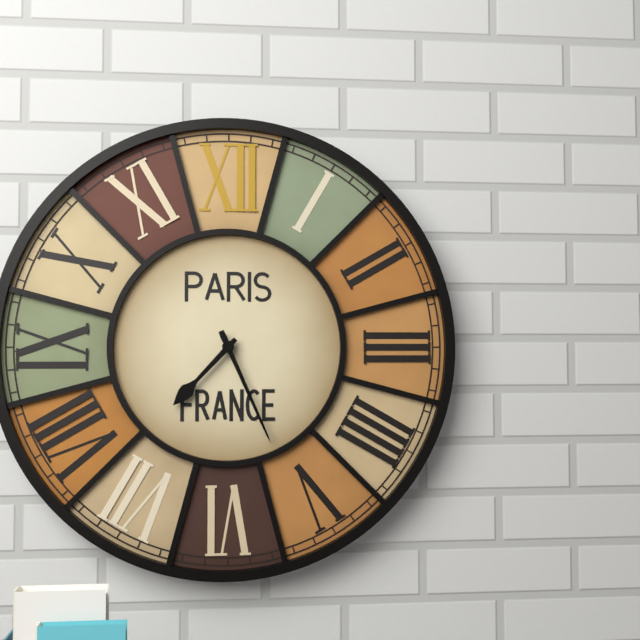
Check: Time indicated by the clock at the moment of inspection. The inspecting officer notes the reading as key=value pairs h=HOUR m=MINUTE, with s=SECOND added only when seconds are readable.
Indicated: h=7 m=26
